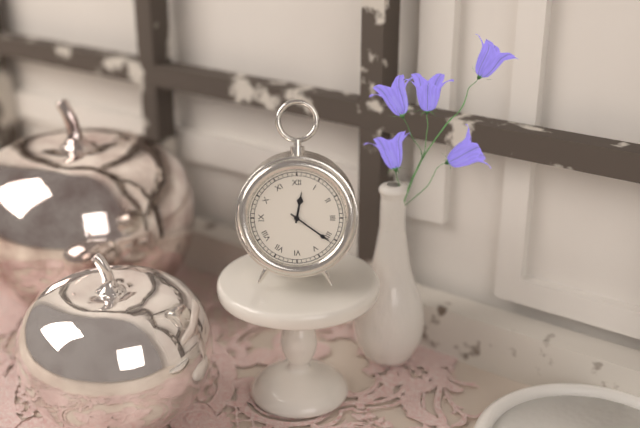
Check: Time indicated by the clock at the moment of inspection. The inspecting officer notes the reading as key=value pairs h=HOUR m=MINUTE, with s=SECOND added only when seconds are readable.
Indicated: h=12 m=21
